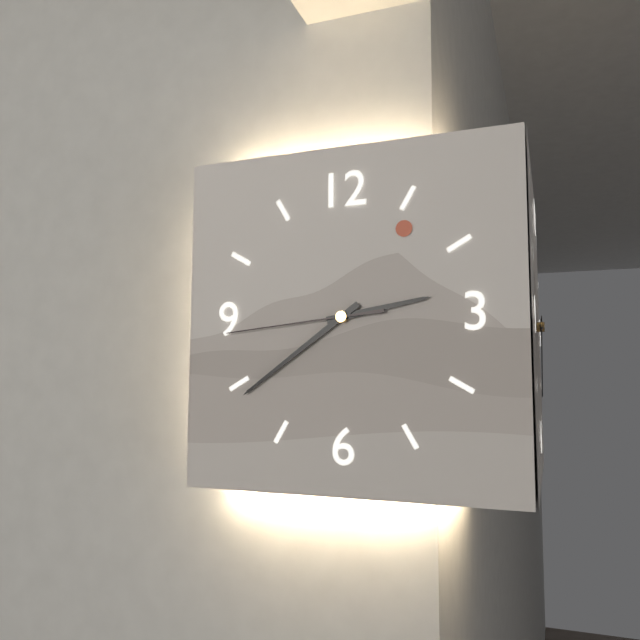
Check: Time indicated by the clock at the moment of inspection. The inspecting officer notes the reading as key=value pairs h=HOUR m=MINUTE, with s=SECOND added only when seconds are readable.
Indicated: h=2 m=39 s=44
